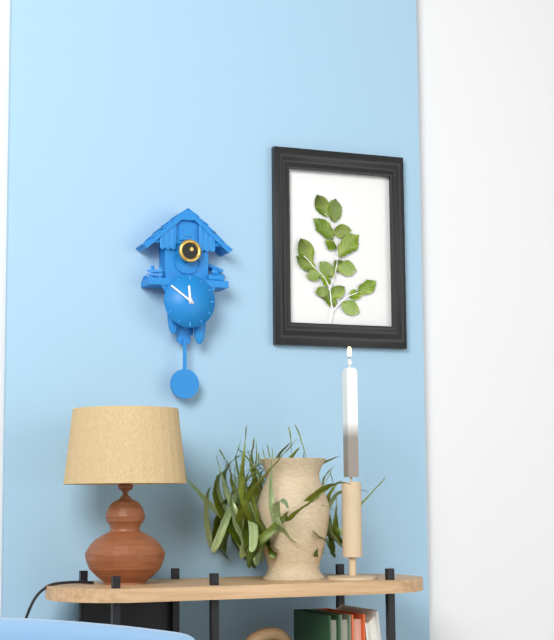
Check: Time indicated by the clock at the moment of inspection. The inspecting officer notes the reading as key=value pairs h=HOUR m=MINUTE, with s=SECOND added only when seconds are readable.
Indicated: h=11 m=51
